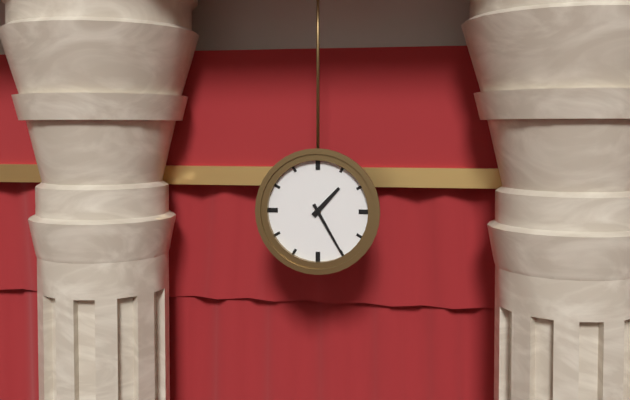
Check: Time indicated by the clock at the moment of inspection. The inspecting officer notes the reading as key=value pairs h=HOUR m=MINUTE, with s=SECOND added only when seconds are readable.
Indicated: h=1 m=25
